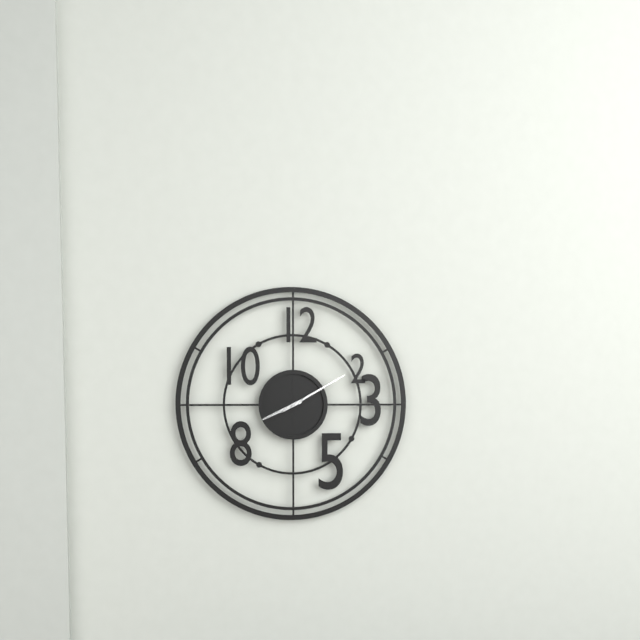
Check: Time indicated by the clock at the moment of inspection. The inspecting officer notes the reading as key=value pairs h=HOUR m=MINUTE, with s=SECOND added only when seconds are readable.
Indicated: h=8 m=10
